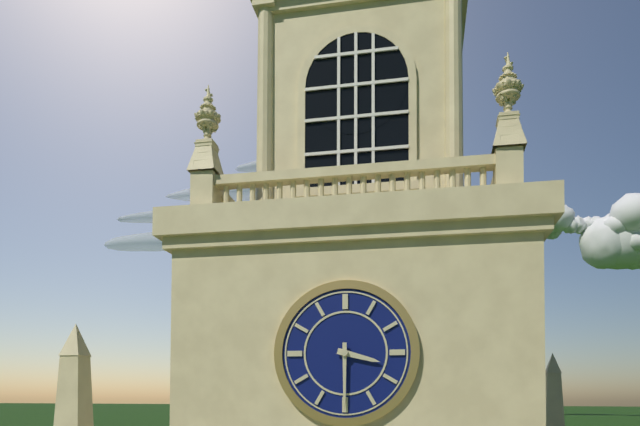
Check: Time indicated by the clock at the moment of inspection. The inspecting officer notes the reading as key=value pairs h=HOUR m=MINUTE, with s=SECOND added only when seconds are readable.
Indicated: h=3 m=30
